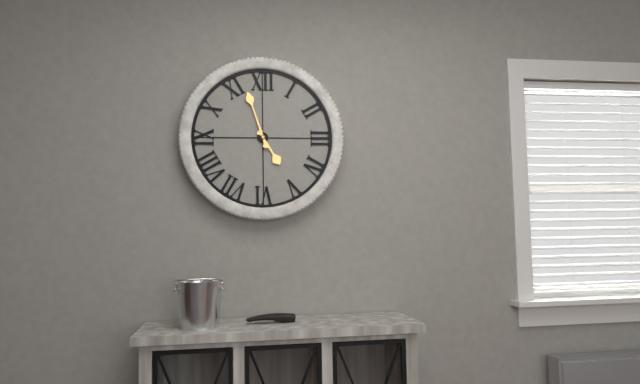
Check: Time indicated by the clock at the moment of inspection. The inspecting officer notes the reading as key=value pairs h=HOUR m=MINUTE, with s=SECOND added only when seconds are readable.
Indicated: h=4 m=57
